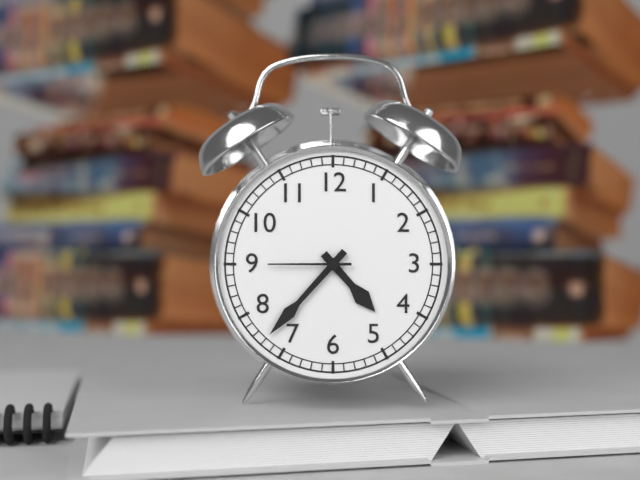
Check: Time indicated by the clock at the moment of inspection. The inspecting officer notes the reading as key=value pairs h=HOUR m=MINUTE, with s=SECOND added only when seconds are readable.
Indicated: h=4 m=37 s=45
